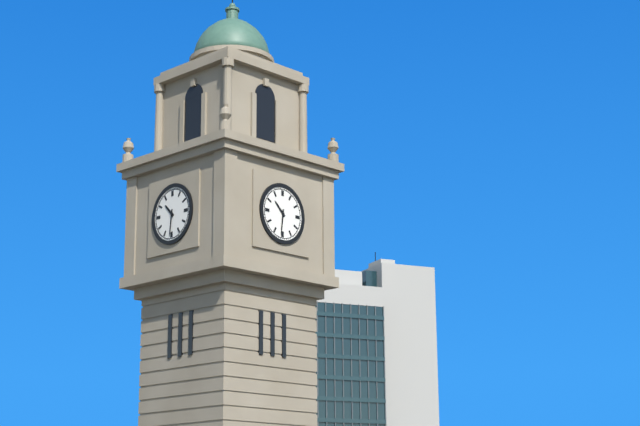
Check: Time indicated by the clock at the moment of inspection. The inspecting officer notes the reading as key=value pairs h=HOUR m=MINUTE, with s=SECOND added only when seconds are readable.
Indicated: h=10 m=31
